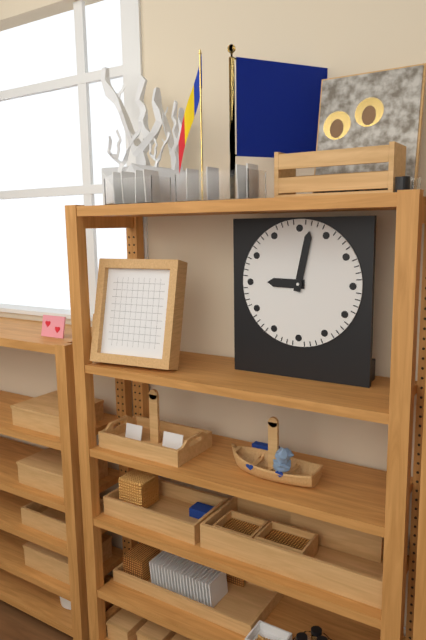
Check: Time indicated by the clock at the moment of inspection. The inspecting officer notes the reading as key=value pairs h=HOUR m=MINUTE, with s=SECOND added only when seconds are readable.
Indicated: h=9 m=2
